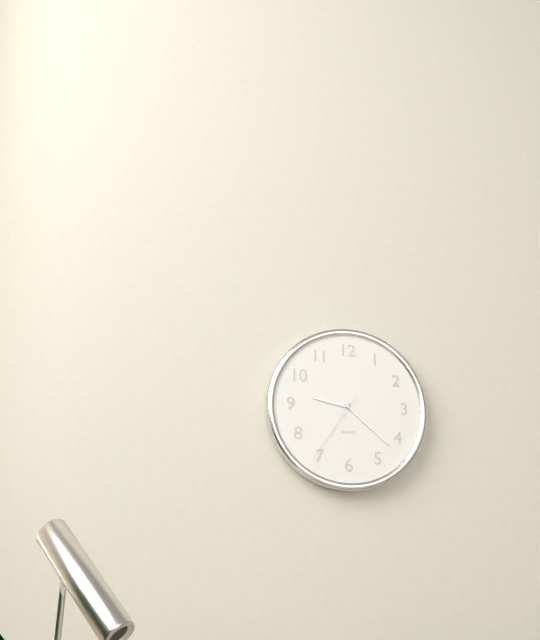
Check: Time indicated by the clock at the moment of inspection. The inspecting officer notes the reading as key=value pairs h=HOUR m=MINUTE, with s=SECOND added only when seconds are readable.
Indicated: h=9 m=22 s=36
